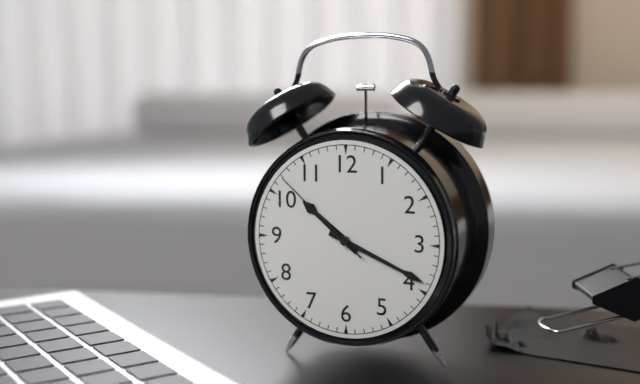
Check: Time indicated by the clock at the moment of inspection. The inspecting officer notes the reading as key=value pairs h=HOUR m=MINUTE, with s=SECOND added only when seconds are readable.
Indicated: h=10 m=19 s=52
